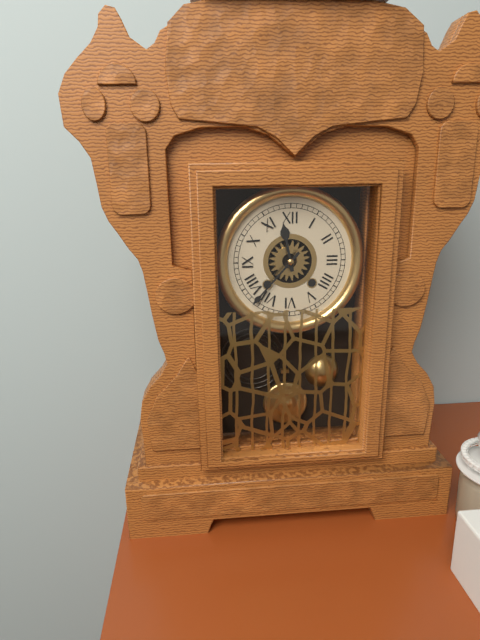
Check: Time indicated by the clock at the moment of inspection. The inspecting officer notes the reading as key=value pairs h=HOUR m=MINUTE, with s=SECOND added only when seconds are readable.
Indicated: h=11 m=37
